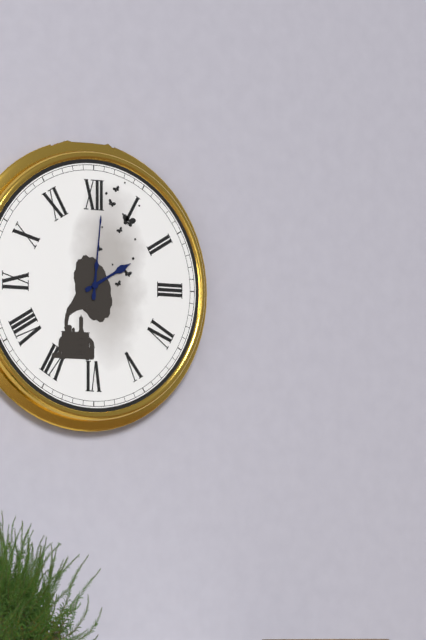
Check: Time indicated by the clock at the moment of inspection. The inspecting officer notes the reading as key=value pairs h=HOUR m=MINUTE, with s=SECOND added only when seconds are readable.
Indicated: h=2 m=1
